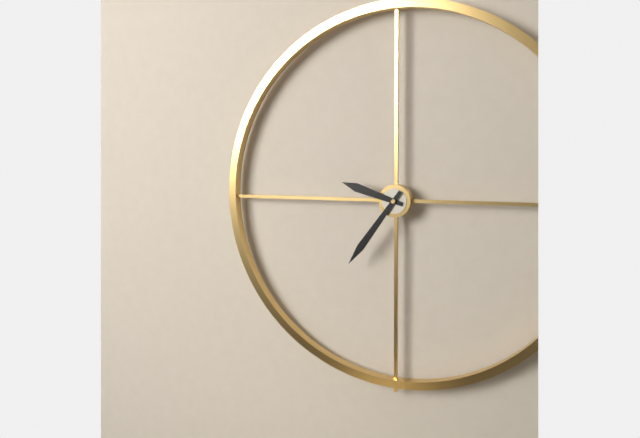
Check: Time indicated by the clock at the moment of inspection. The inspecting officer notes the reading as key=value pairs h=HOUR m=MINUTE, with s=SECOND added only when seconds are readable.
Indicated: h=9 m=36
